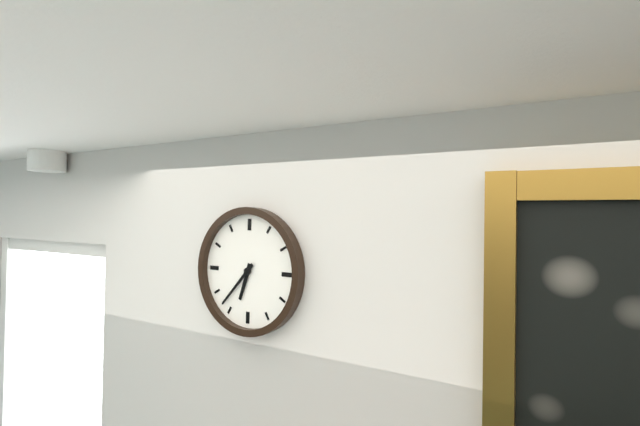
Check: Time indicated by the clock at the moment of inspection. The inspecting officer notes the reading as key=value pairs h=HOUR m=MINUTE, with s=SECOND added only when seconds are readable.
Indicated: h=6 m=37
